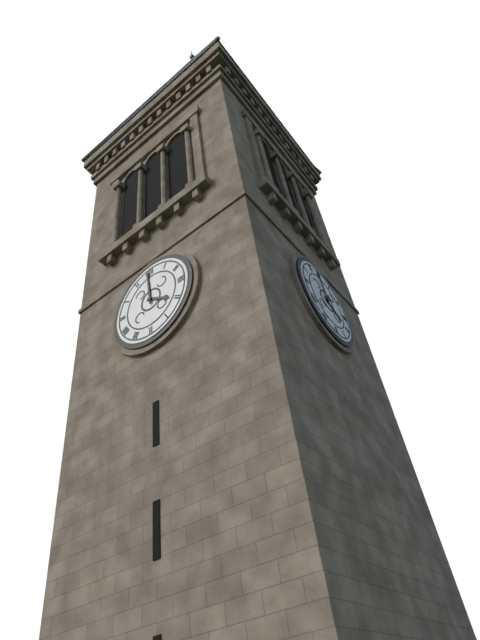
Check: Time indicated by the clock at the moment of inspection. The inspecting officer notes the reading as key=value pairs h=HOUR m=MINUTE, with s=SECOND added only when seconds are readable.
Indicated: h=3 m=59
